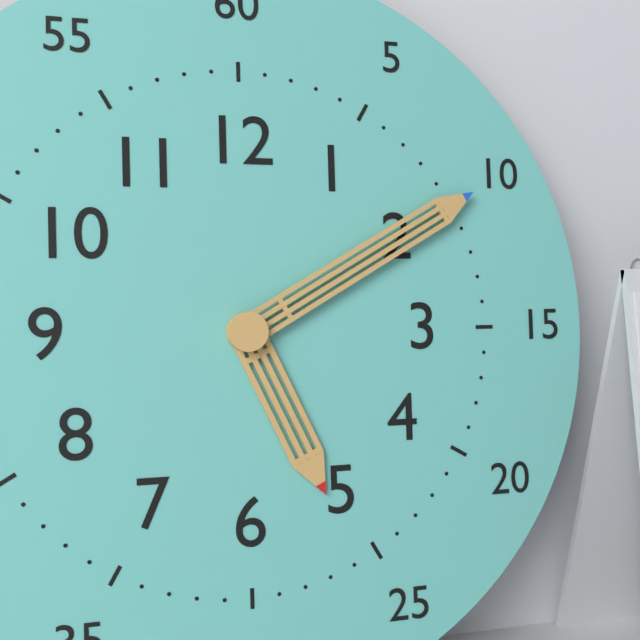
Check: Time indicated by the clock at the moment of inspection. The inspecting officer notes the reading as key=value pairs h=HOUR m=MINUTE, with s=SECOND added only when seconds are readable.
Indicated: h=5 m=10
